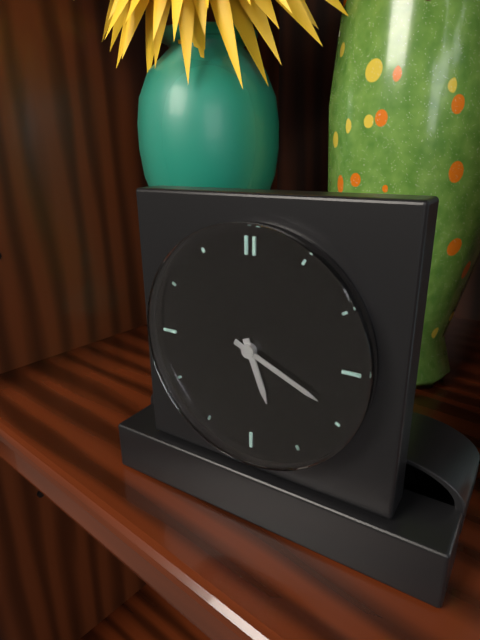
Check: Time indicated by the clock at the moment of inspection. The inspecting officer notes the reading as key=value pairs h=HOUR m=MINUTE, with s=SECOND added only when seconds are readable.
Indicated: h=5 m=19
